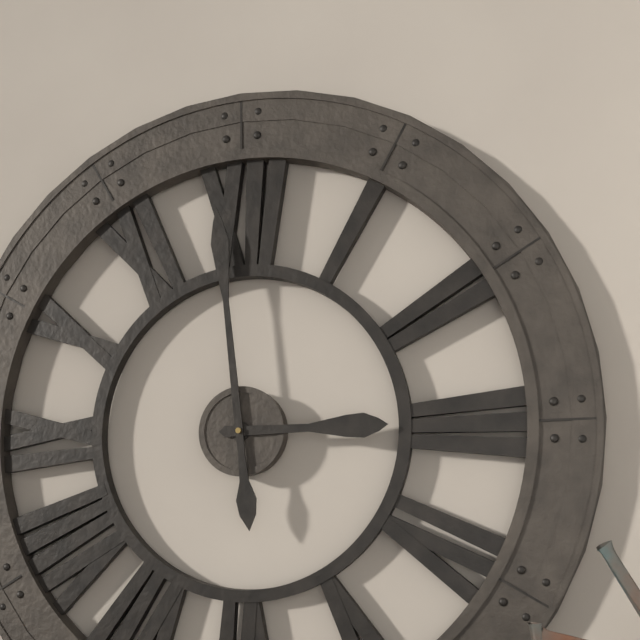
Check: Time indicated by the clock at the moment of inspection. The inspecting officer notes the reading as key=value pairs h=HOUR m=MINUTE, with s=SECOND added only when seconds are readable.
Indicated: h=2 m=59
